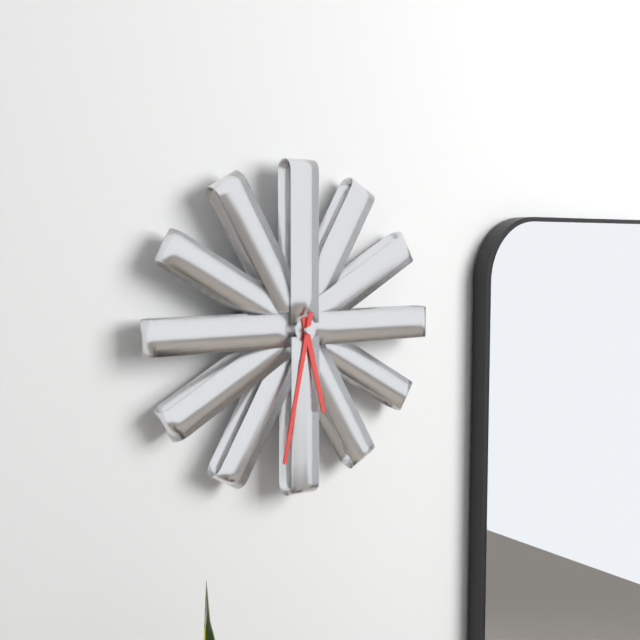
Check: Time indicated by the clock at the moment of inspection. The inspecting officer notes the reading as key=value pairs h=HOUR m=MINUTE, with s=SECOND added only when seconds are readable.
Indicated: h=5 m=32
